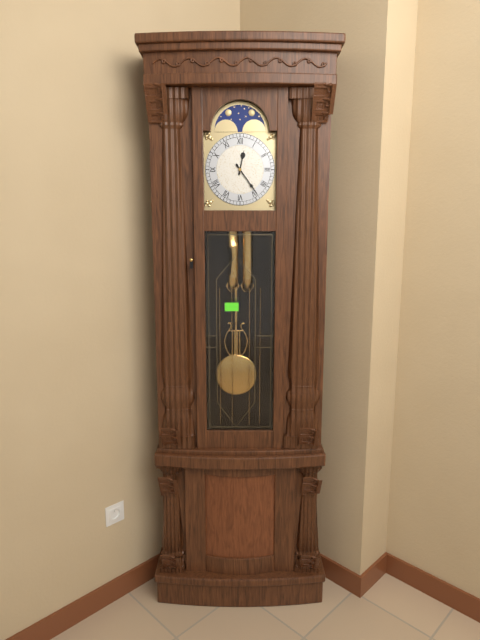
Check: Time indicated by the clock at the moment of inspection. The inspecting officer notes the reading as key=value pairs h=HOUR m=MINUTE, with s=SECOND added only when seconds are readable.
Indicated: h=12 m=24
